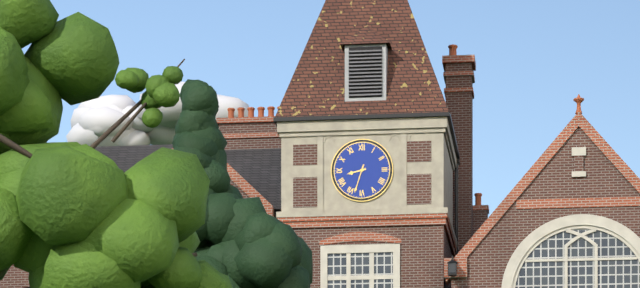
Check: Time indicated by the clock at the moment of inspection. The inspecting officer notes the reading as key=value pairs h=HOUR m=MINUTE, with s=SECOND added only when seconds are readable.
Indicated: h=8 m=33
